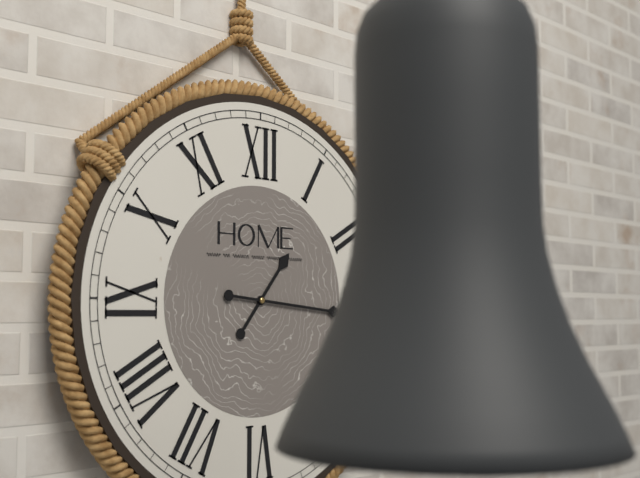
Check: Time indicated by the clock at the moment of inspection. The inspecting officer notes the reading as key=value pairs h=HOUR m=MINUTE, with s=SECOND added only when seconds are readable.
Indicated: h=1 m=16
